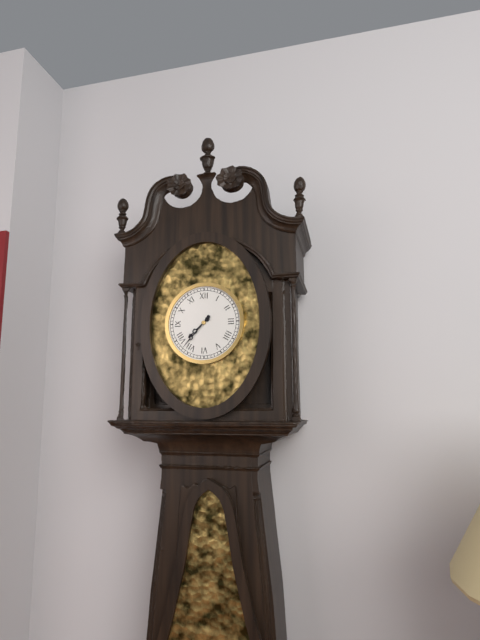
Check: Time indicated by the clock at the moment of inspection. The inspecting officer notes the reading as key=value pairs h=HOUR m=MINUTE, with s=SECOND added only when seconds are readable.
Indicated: h=7 m=37
